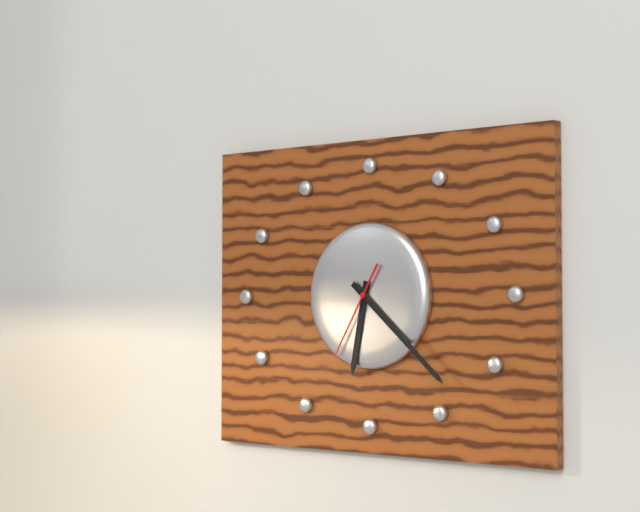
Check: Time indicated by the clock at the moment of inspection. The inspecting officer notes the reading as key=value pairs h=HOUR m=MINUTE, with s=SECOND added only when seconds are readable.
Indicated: h=6 m=22 s=35
